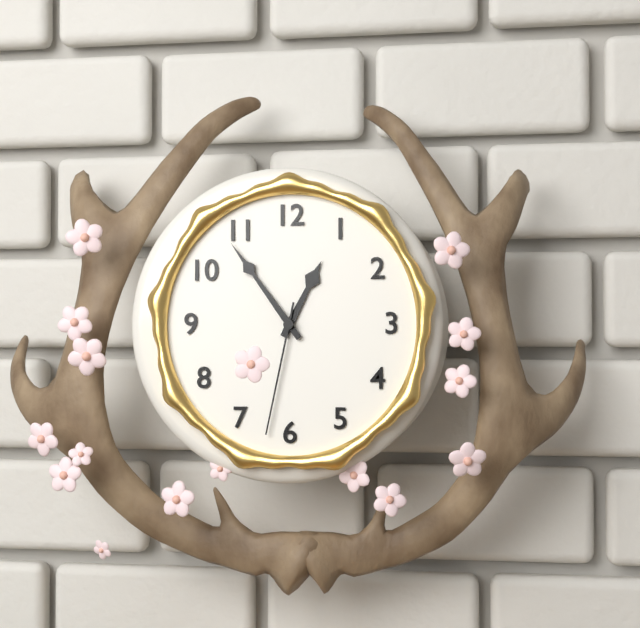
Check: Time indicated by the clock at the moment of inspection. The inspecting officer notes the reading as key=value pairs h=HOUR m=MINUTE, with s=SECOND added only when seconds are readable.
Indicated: h=12 m=54 s=32
